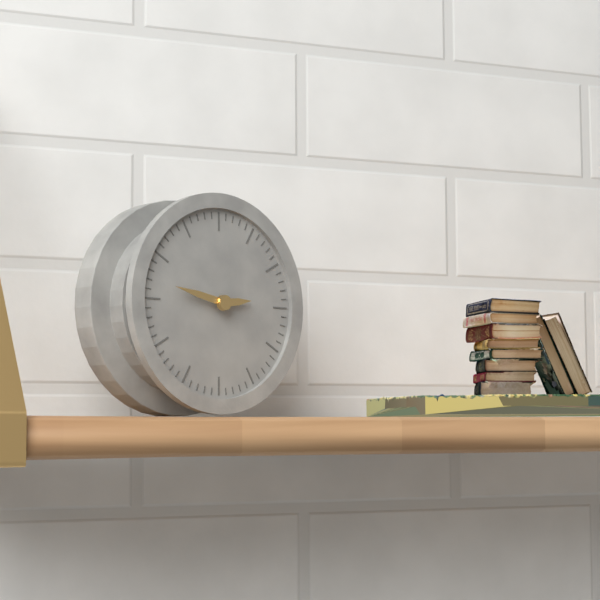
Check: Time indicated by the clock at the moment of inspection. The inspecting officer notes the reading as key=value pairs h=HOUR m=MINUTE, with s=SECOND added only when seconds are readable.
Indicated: h=2 m=47
